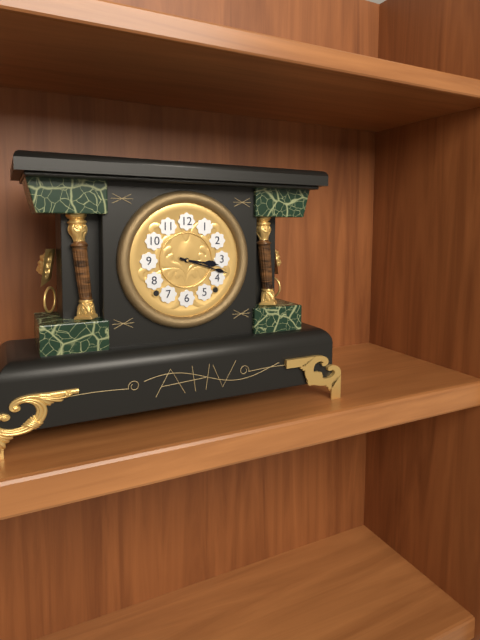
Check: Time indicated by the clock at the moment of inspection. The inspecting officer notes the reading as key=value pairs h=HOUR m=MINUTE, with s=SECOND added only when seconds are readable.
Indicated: h=3 m=18
